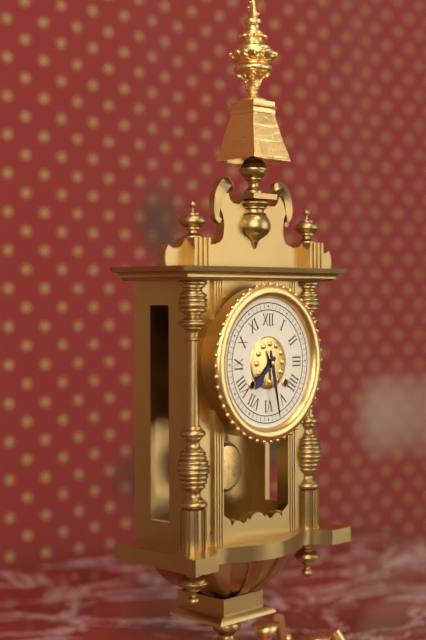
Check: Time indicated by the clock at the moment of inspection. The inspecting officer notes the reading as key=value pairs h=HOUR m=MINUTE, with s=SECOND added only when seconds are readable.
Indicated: h=7 m=28
